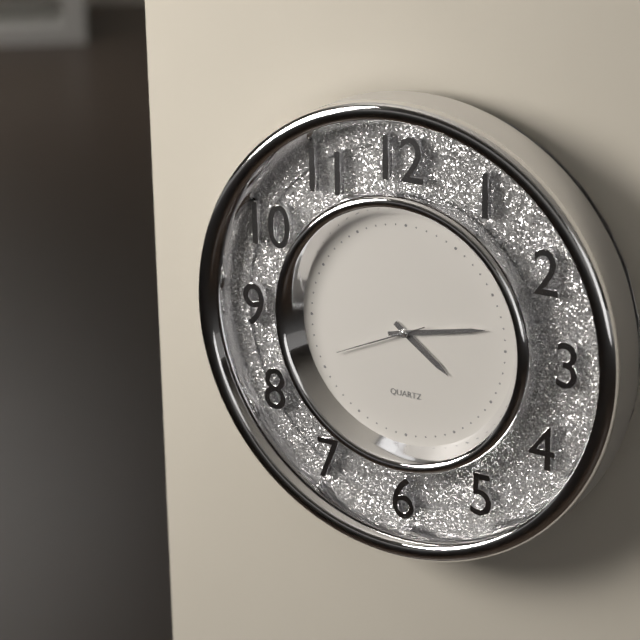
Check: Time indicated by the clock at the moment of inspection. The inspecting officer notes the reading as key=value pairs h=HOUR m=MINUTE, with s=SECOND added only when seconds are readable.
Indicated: h=4 m=13 s=41
